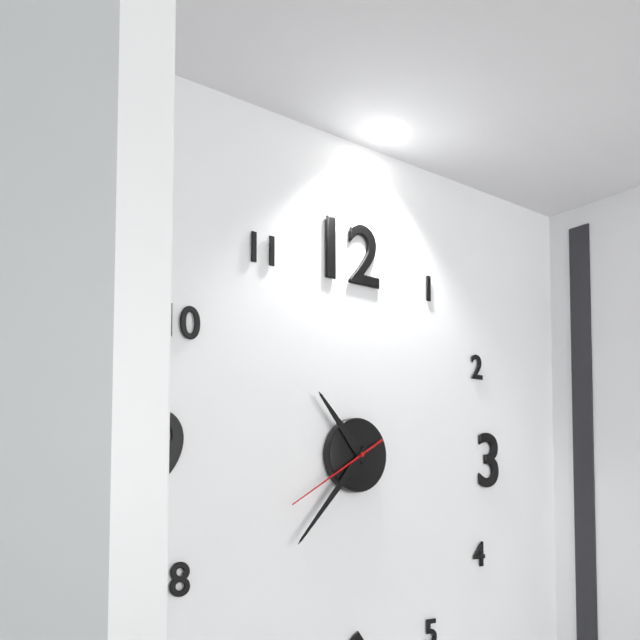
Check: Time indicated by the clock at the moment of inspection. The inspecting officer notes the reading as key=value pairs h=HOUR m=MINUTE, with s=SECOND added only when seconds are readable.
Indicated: h=10 m=37 s=40
